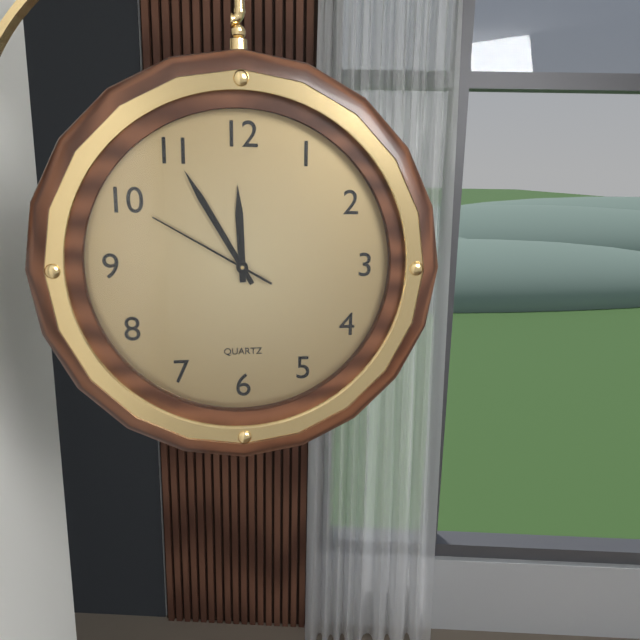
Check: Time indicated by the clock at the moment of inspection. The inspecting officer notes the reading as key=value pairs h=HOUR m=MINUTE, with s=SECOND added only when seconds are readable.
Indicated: h=11 m=55 s=50
